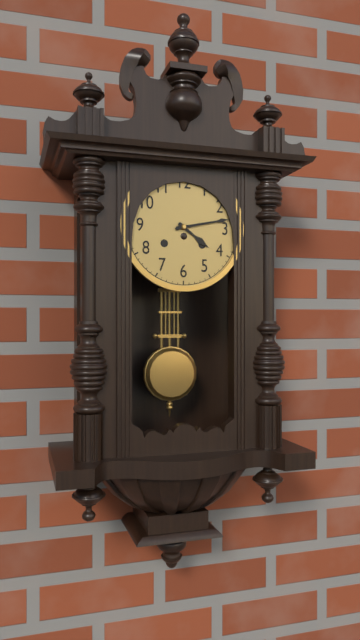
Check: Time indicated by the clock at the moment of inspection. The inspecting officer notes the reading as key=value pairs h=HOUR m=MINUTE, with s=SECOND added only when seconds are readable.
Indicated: h=4 m=13
